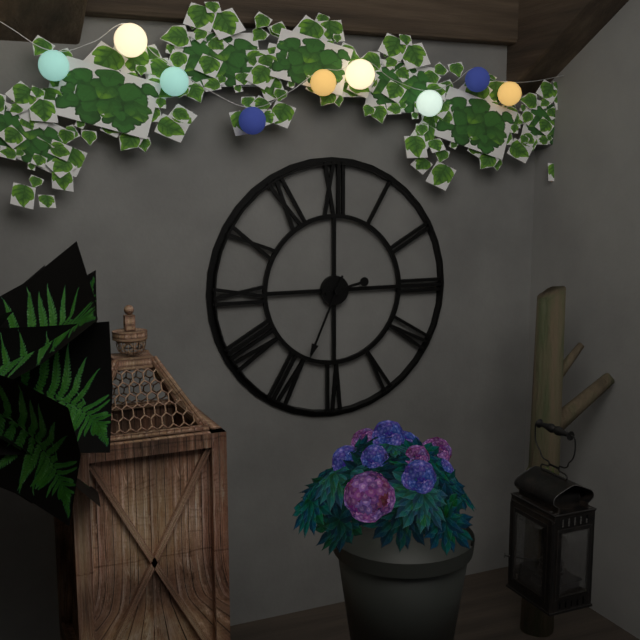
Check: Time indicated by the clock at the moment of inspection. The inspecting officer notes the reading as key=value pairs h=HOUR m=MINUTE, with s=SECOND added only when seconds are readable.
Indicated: h=2 m=34
